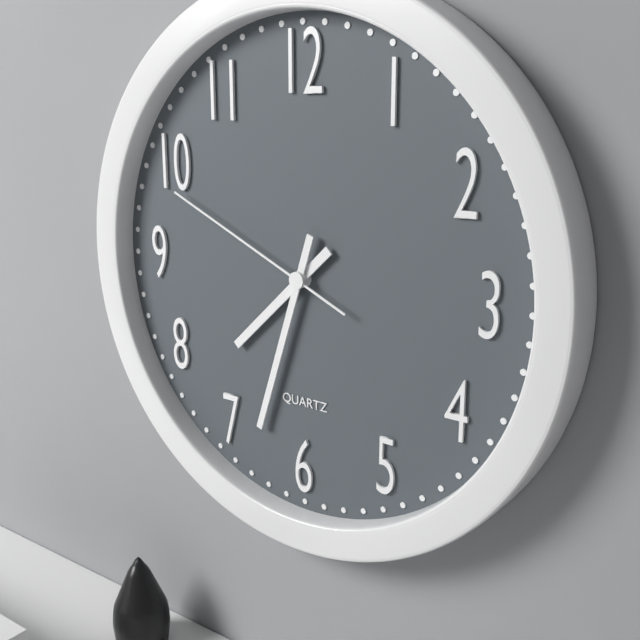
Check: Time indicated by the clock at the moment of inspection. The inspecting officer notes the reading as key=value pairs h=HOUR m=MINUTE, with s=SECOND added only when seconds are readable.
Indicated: h=7 m=33 s=49
